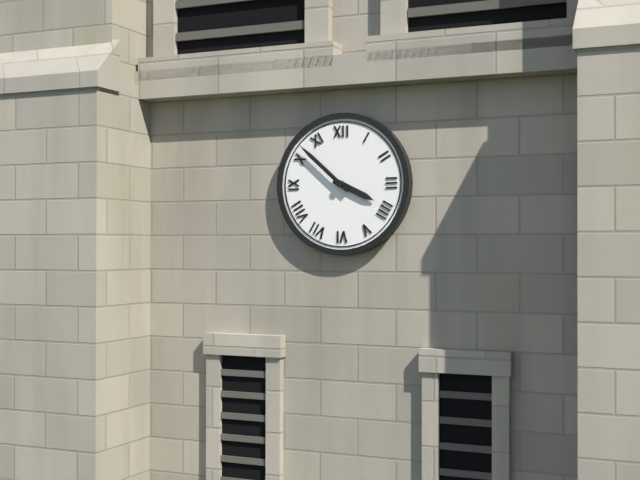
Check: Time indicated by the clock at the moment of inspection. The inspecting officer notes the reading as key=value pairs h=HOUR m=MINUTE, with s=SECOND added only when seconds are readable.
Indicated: h=3 m=52
